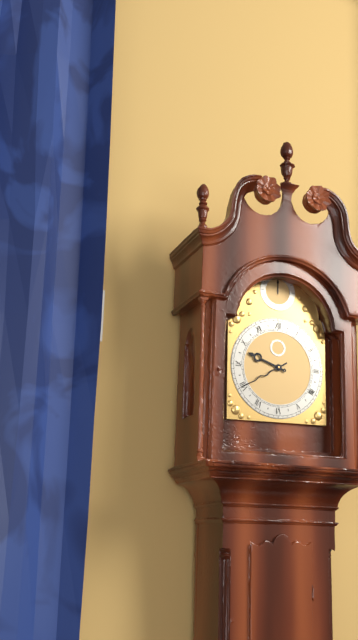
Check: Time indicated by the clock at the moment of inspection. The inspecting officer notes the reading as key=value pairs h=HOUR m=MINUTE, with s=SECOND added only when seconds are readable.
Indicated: h=9 m=40
